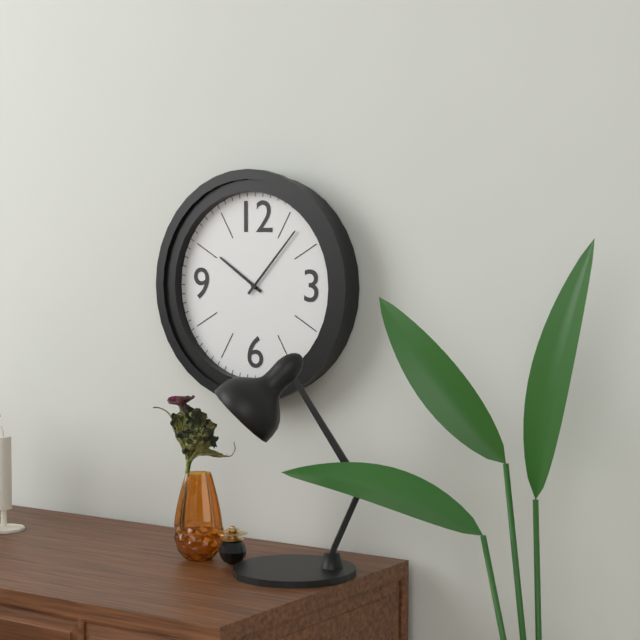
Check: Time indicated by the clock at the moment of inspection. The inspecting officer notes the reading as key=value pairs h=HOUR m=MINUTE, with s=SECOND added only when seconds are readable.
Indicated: h=10 m=7
